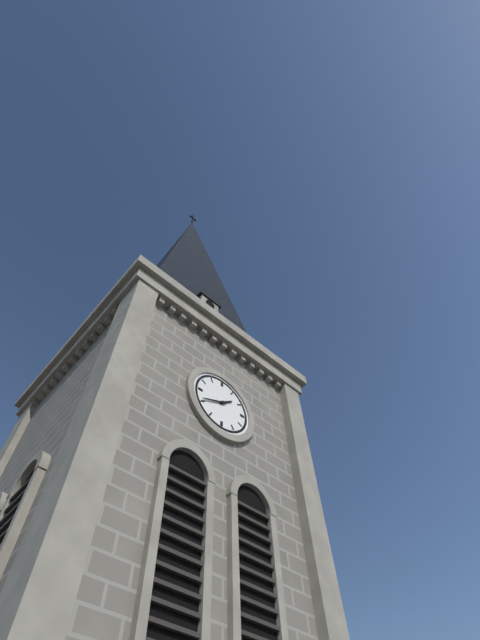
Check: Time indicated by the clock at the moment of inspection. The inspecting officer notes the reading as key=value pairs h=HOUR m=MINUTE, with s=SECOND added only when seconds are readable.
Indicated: h=1 m=41
